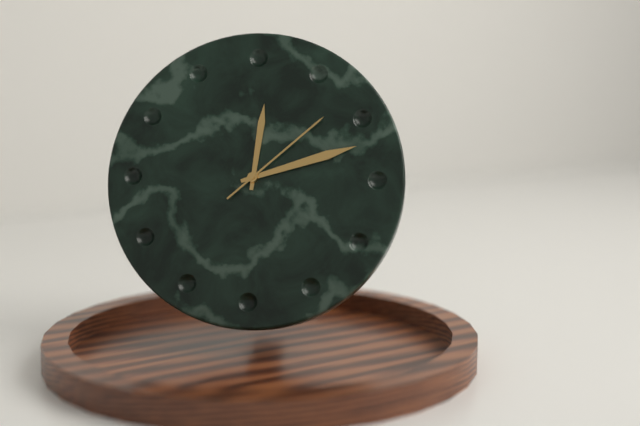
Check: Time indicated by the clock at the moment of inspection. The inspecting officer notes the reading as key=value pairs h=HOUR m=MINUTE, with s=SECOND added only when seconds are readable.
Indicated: h=12 m=12 s=8
